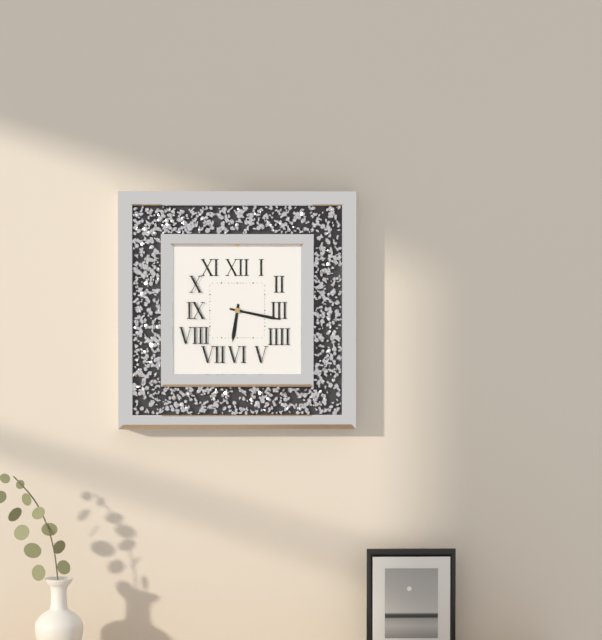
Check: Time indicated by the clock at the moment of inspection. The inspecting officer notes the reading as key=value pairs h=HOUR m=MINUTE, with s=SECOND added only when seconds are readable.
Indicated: h=6 m=17
